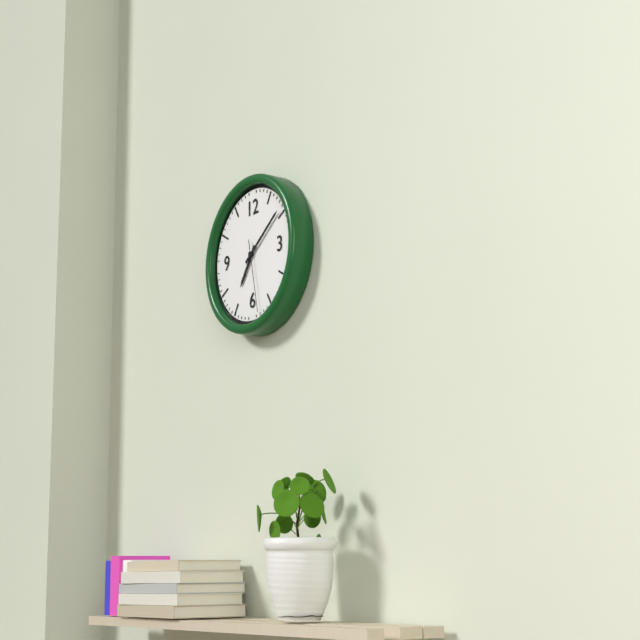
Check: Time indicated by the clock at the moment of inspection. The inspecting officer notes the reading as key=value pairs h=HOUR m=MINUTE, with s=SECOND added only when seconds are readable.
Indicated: h=7 m=9 s=28
